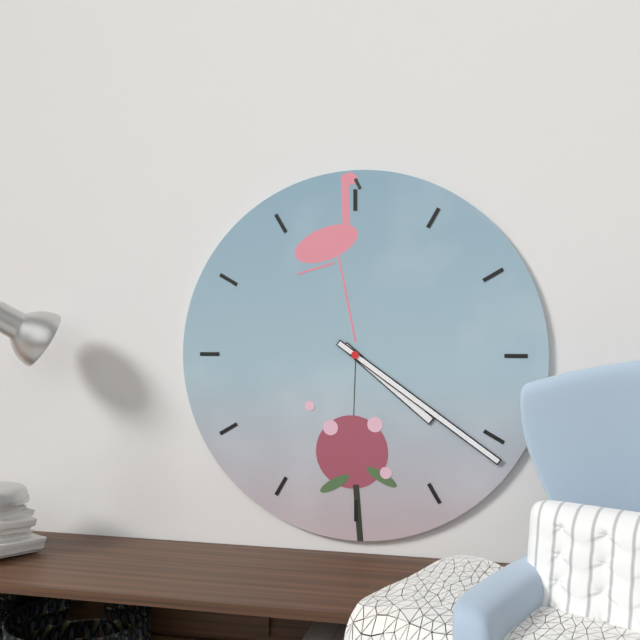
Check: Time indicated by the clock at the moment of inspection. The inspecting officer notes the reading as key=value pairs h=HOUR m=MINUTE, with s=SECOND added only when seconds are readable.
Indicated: h=4 m=21
